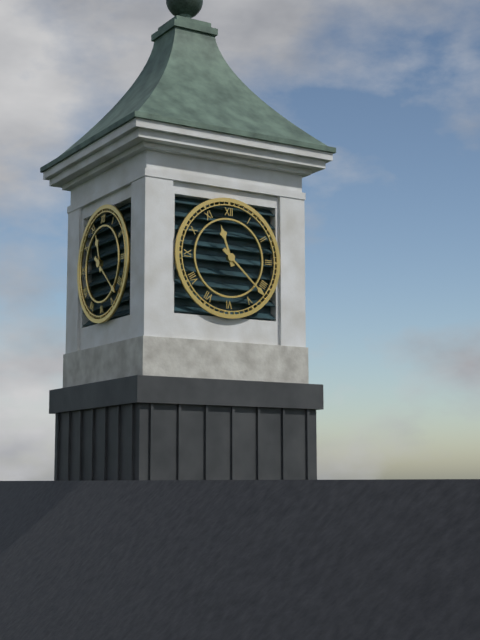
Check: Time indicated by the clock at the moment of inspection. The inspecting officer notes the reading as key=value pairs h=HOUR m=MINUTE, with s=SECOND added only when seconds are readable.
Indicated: h=11 m=22
